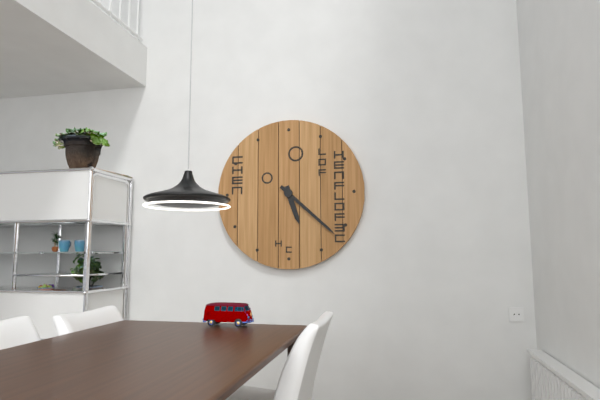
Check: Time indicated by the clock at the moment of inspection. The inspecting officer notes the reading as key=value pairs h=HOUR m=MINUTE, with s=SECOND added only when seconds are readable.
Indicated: h=5 m=22
